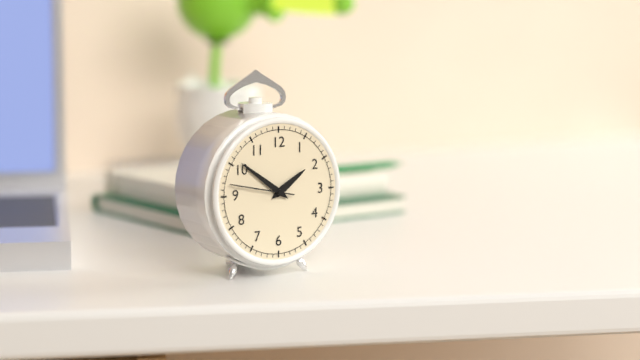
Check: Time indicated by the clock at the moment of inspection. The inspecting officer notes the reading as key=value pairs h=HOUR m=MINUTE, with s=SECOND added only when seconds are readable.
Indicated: h=1 m=51 s=47
